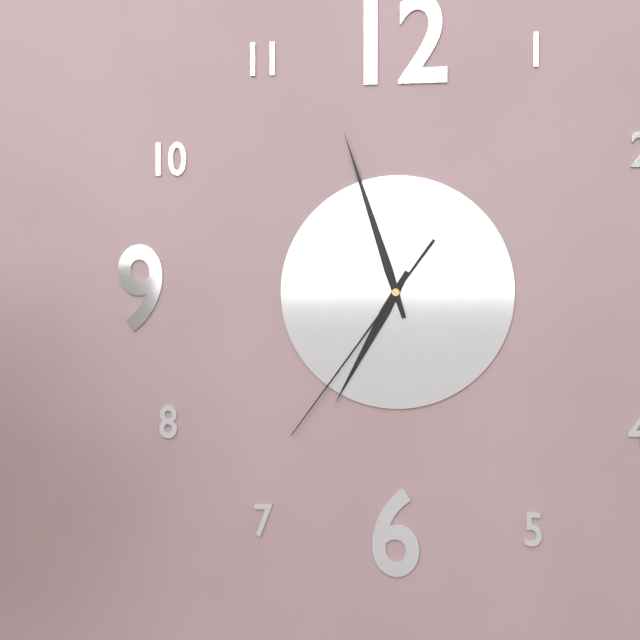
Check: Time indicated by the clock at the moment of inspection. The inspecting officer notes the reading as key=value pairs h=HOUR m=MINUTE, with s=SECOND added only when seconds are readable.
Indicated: h=6 m=57 s=36
